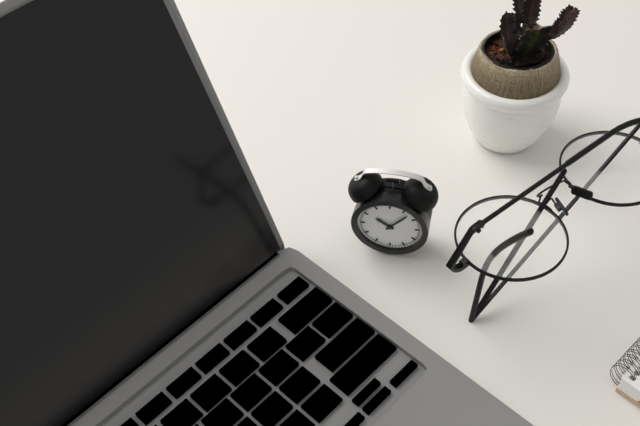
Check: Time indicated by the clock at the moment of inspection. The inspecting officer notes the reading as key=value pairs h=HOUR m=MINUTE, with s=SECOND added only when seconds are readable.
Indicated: h=10 m=7
